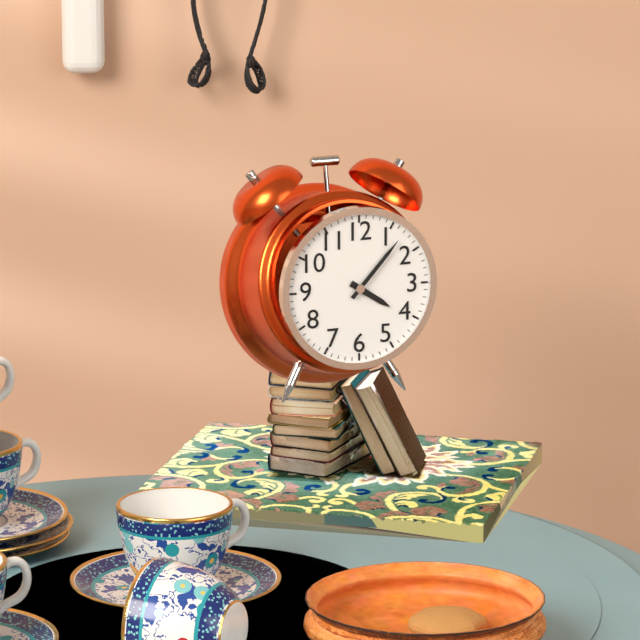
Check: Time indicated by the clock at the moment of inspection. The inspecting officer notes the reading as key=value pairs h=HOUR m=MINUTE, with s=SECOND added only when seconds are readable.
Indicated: h=4 m=7
